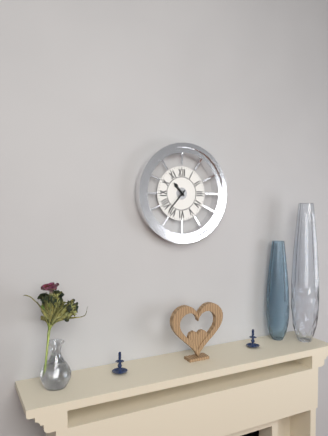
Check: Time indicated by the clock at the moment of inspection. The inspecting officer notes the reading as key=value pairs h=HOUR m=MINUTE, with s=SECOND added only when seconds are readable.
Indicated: h=10 m=37
